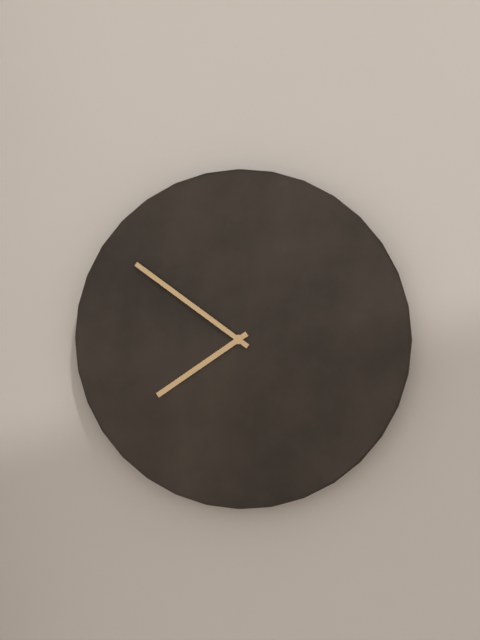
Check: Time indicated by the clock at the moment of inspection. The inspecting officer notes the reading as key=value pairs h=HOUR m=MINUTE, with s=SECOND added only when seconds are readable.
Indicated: h=7 m=51
